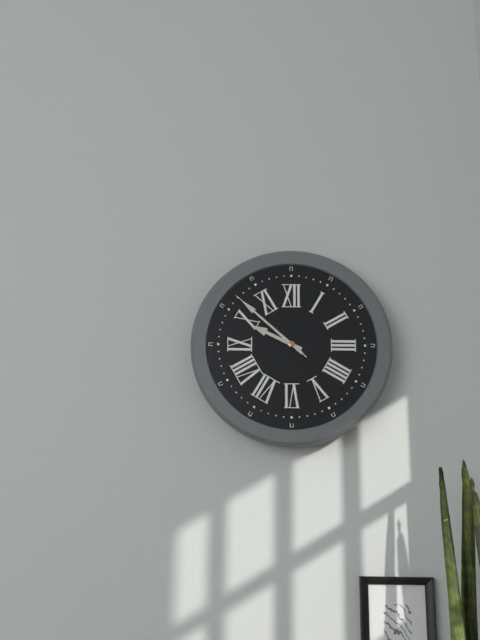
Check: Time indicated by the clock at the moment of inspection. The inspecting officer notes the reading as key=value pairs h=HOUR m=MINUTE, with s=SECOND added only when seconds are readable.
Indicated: h=9 m=52 s=52
